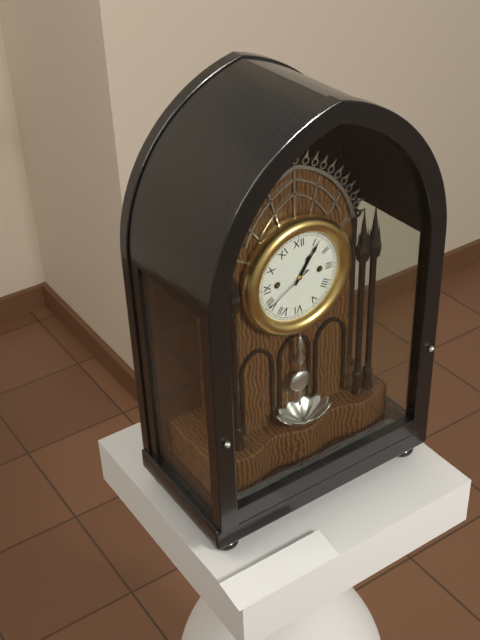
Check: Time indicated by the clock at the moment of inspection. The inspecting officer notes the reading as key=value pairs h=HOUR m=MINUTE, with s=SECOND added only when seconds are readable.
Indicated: h=1 m=6 s=40
